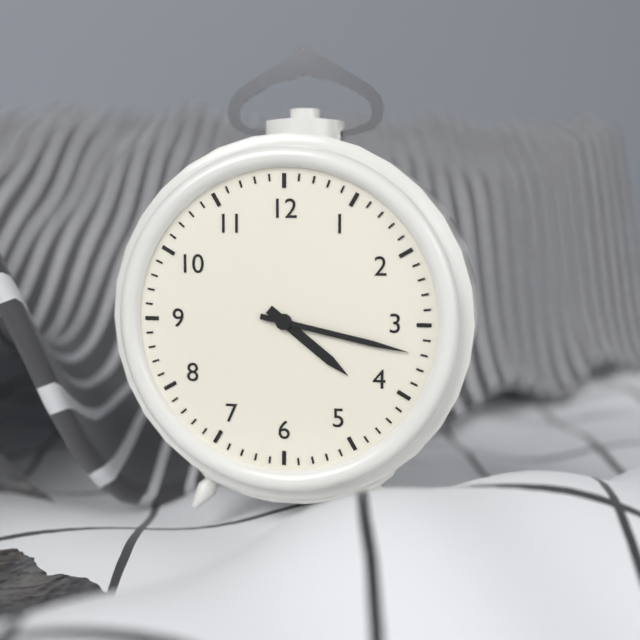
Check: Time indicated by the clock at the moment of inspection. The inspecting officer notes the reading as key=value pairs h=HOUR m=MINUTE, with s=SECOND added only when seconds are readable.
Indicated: h=4 m=17
